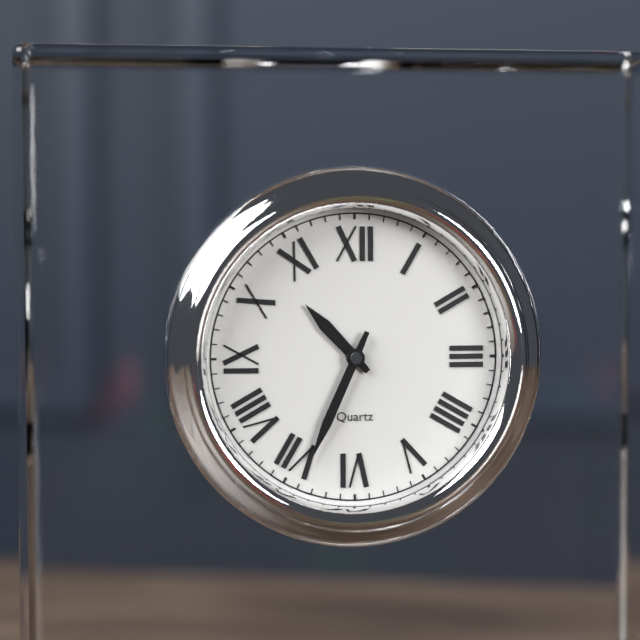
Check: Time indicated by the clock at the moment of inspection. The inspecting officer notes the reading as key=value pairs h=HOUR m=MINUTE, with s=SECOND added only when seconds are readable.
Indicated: h=10 m=34
